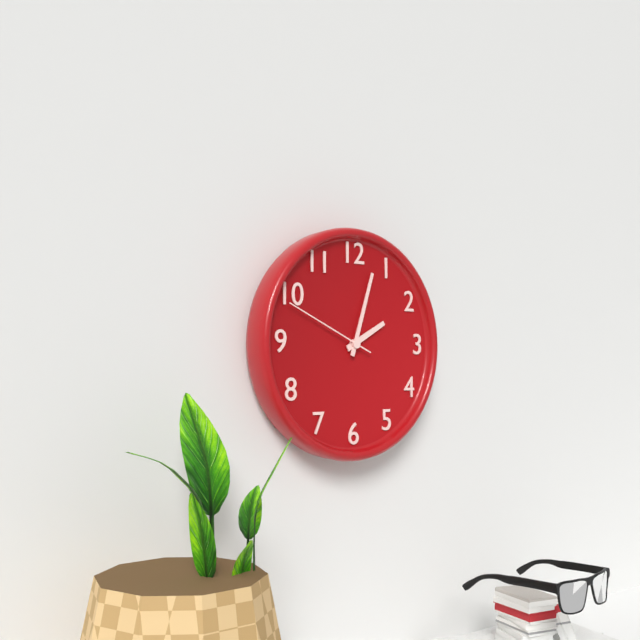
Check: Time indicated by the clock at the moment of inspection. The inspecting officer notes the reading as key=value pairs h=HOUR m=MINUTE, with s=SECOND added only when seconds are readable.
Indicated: h=2 m=3 s=49
